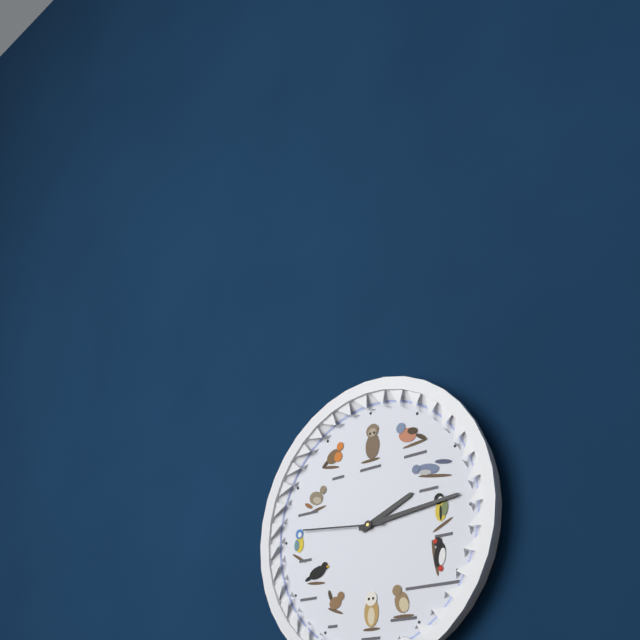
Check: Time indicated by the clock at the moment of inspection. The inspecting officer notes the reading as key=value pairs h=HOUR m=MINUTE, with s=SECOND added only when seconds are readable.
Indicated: h=2 m=14 s=46
